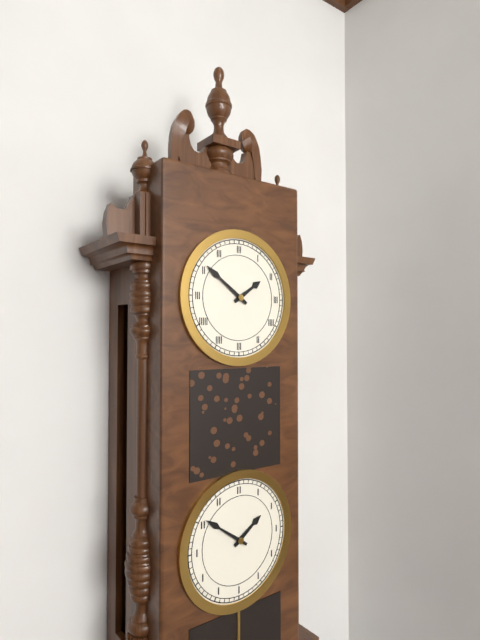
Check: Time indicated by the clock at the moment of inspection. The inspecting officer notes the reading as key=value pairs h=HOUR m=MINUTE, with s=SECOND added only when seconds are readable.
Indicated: h=1 m=51
